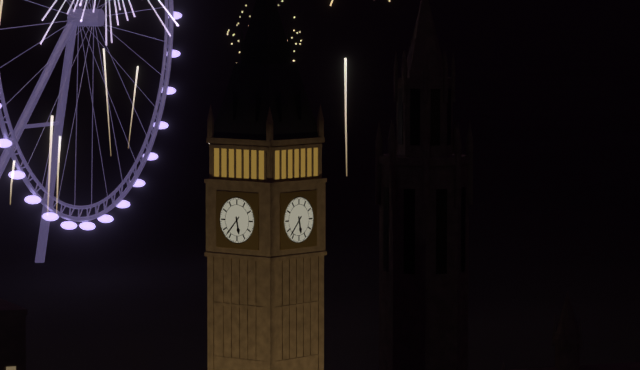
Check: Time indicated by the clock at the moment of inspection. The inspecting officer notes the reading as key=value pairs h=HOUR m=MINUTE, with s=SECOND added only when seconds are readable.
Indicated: h=5 m=37
